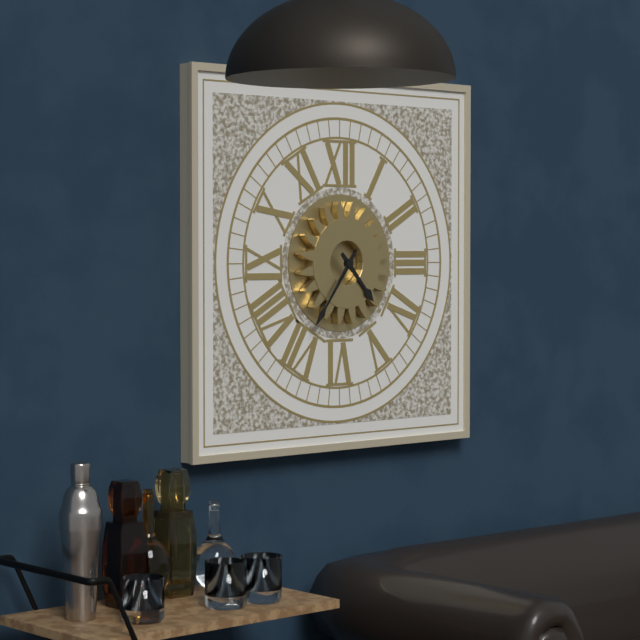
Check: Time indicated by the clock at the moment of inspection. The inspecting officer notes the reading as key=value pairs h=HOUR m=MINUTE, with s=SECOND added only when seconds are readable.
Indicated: h=4 m=36
